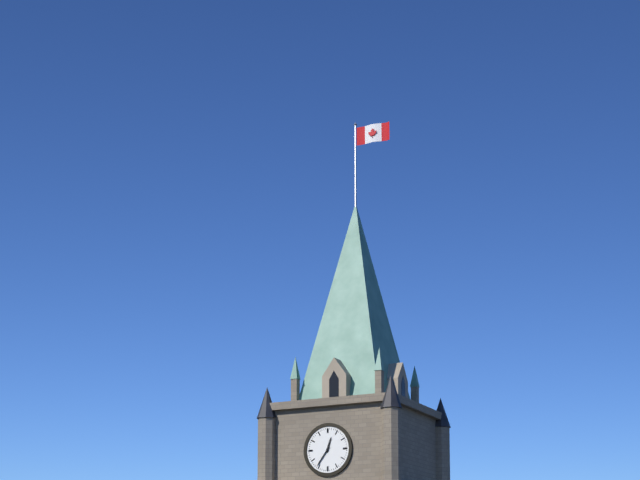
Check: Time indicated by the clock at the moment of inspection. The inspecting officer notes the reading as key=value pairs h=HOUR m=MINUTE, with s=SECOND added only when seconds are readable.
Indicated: h=12 m=36
